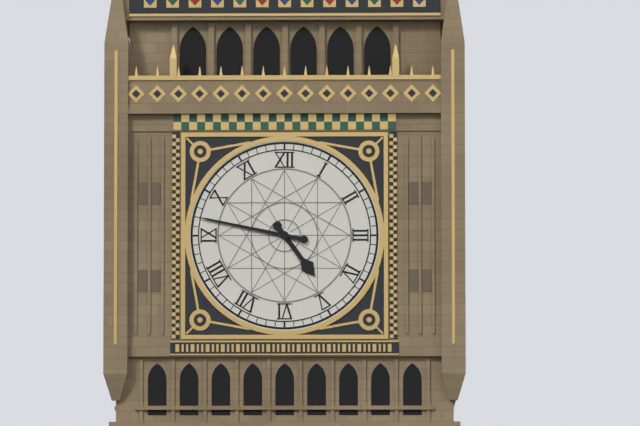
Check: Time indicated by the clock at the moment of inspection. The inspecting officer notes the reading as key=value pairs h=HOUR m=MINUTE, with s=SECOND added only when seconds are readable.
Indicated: h=4 m=47
